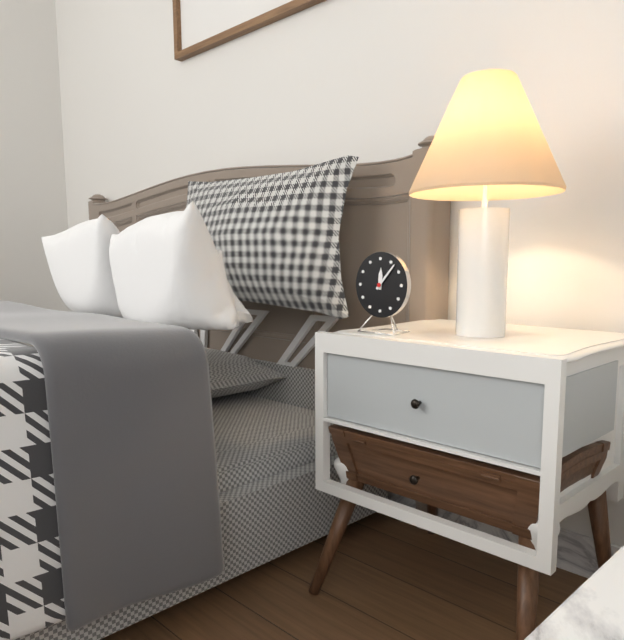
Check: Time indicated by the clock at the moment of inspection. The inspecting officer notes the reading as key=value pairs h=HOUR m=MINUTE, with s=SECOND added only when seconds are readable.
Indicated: h=12 m=7
